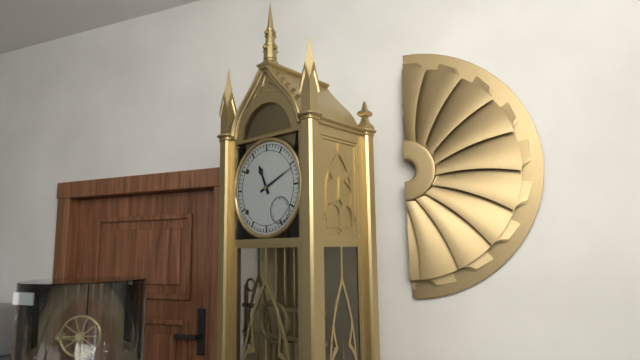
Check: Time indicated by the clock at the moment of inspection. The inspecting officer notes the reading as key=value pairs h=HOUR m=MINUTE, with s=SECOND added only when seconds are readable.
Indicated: h=11 m=11
